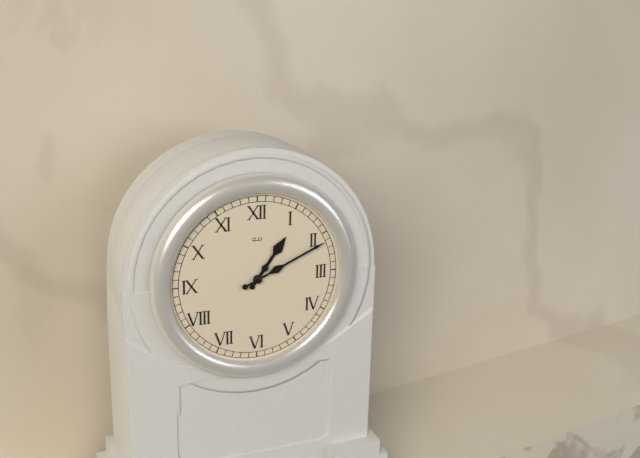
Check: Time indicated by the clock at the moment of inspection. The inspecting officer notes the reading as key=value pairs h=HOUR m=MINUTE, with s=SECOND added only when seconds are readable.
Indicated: h=1 m=11
